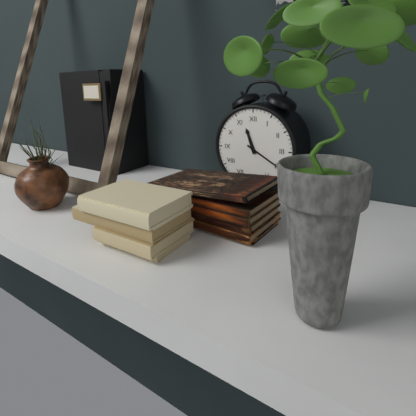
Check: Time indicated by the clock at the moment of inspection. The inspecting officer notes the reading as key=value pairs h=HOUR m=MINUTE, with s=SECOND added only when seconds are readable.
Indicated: h=11 m=20
